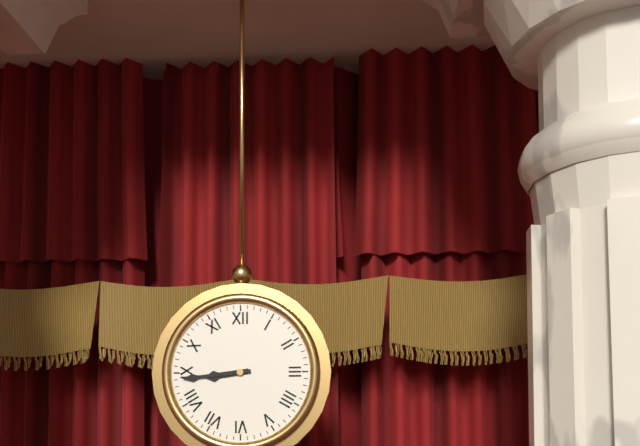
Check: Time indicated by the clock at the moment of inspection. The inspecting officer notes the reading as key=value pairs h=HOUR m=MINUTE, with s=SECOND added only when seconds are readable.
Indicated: h=8 m=44
